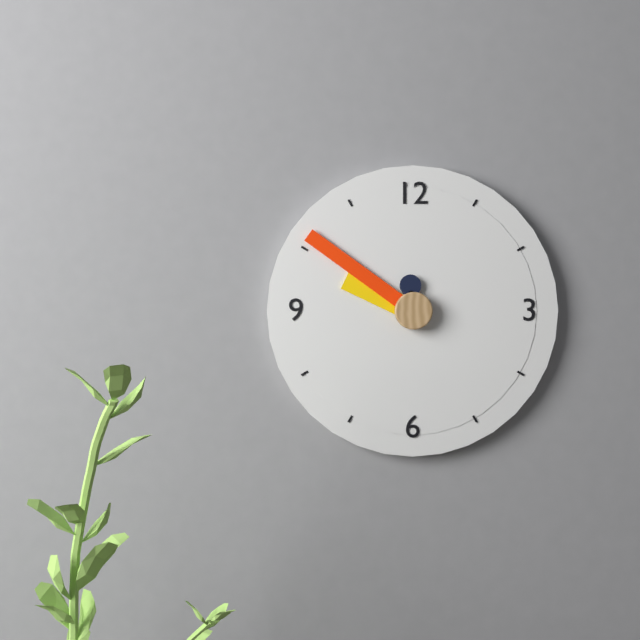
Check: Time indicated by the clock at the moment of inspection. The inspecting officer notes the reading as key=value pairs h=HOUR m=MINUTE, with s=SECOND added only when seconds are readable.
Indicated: h=9 m=51
